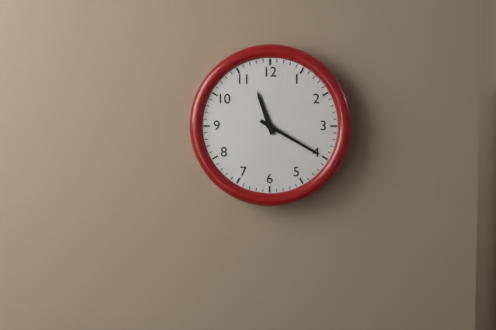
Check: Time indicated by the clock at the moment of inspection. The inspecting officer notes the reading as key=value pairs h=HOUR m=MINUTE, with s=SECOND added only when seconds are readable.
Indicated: h=11 m=20
